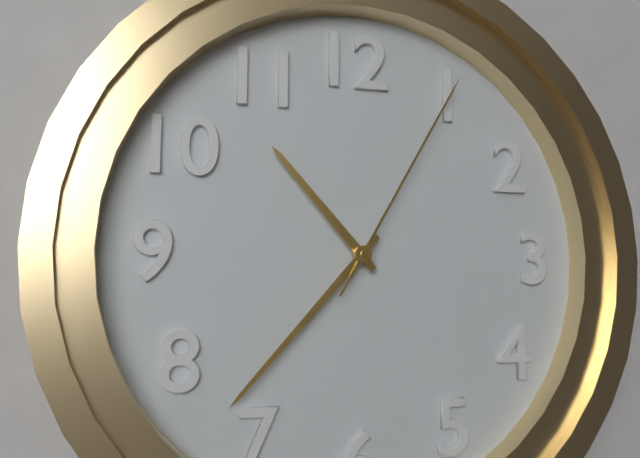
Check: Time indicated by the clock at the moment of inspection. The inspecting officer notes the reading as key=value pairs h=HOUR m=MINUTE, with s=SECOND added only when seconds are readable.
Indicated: h=10 m=37 s=5
